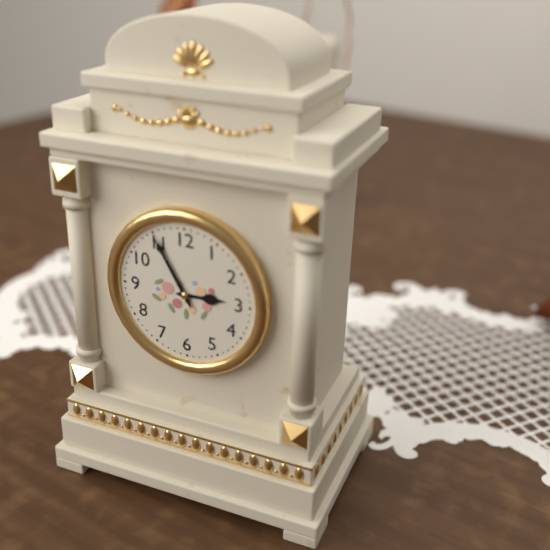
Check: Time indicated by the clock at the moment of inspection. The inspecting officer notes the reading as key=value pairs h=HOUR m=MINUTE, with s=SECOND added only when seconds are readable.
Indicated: h=2 m=55
